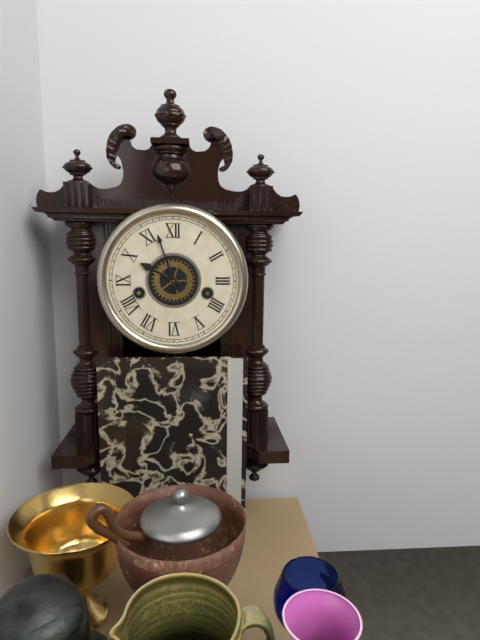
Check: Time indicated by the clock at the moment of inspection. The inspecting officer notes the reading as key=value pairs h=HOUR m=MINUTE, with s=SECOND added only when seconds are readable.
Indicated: h=9 m=57
